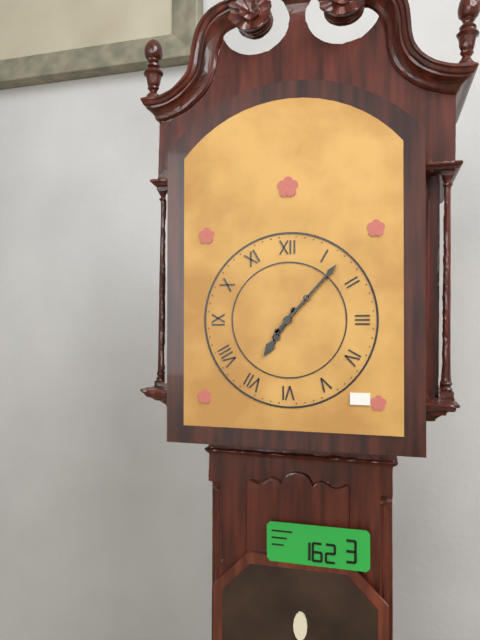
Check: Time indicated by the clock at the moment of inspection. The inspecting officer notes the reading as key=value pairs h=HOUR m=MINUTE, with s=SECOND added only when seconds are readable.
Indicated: h=7 m=7
